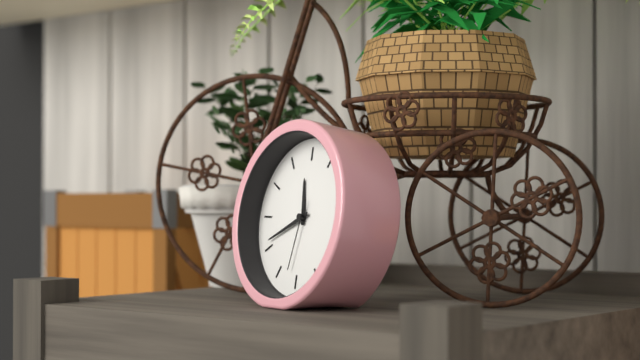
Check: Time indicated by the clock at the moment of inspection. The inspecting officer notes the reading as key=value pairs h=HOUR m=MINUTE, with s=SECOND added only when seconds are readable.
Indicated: h=11 m=41 s=32
